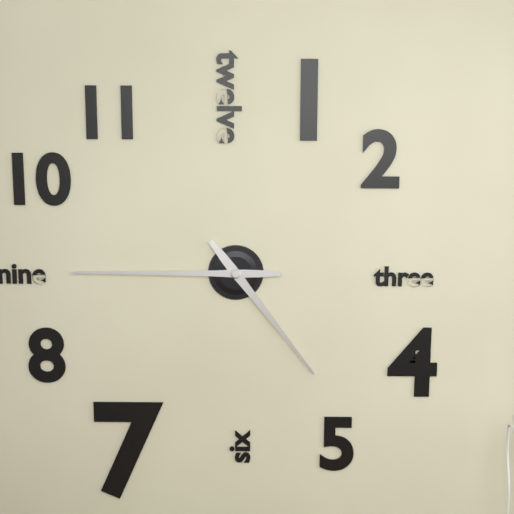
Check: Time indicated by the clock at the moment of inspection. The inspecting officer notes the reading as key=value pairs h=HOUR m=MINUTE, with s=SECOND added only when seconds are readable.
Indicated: h=4 m=45
